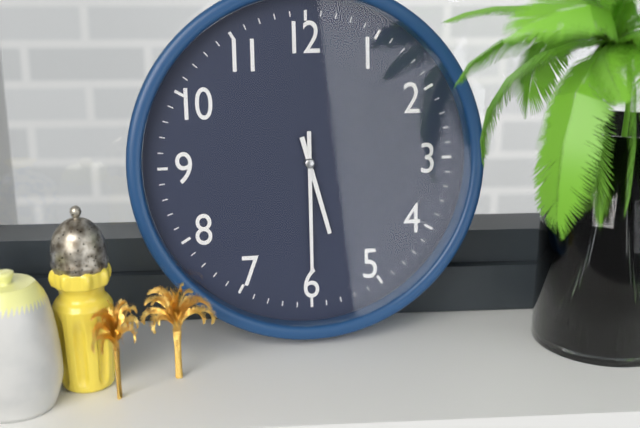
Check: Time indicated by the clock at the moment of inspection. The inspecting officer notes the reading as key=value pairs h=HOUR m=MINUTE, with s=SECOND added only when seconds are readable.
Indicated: h=5 m=30
